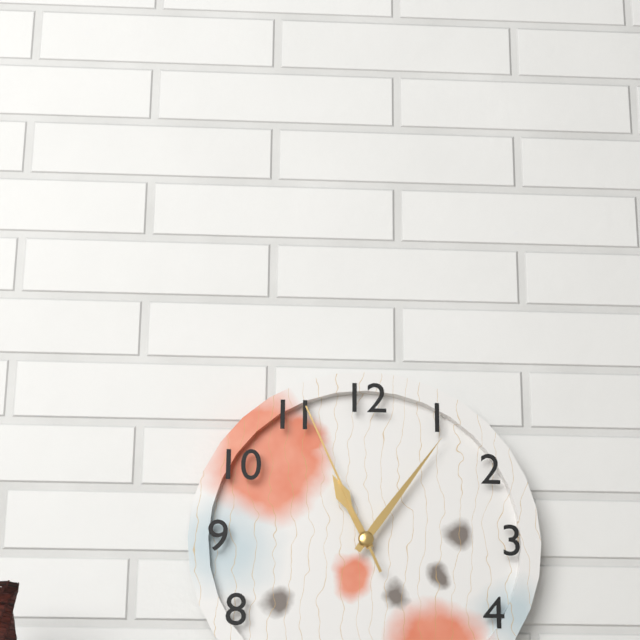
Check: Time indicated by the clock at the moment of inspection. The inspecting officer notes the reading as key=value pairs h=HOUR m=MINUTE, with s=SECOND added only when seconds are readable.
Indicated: h=11 m=6 s=56
